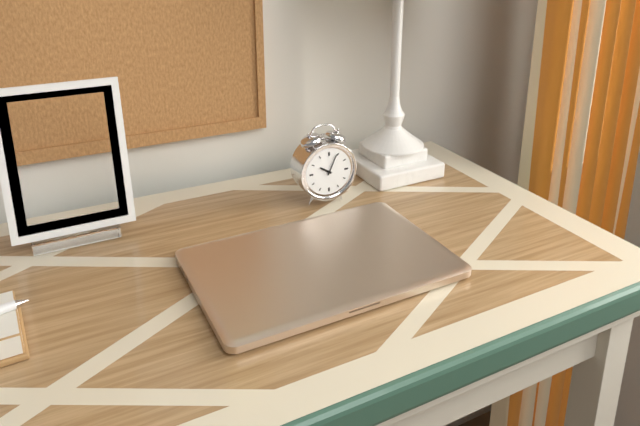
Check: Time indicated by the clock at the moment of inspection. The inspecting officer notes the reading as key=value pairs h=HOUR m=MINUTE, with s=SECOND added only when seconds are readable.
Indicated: h=10 m=4
